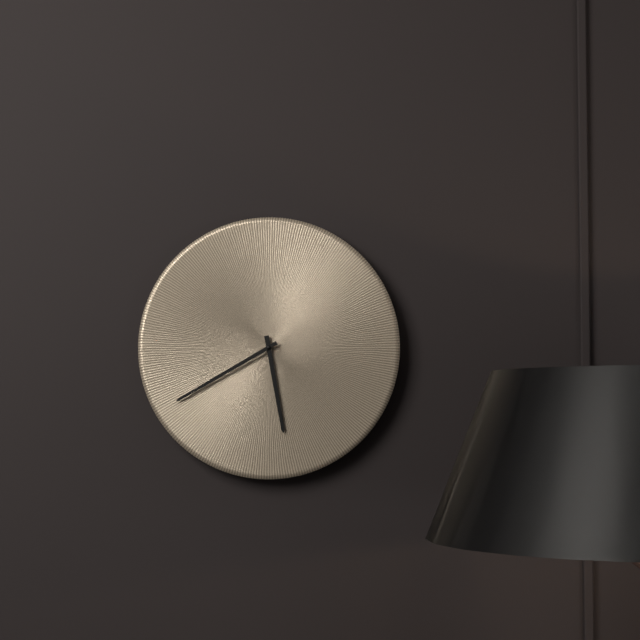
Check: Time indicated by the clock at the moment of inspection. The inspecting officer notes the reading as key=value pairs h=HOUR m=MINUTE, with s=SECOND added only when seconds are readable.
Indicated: h=5 m=40
